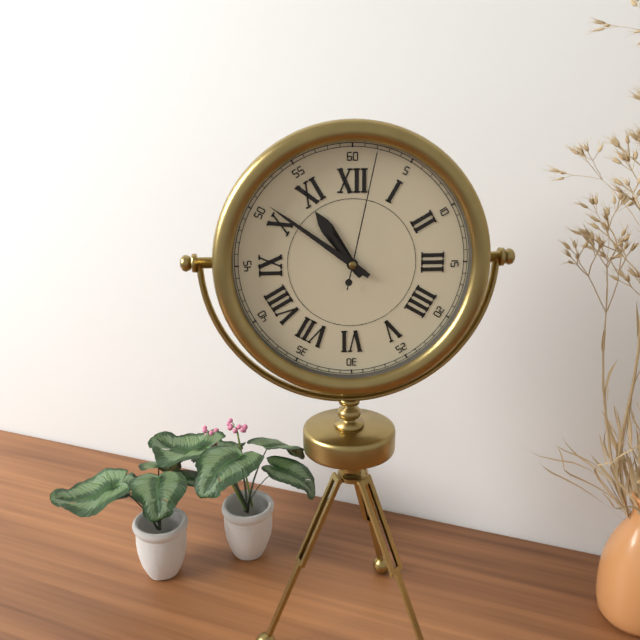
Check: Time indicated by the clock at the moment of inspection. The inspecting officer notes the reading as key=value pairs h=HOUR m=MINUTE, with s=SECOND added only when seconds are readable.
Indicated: h=10 m=51 s=2
